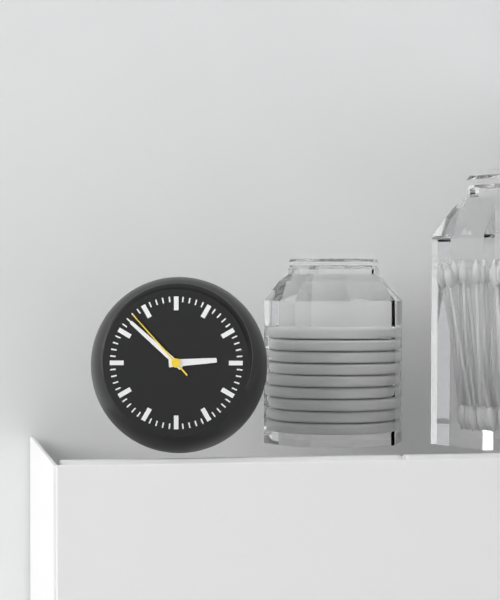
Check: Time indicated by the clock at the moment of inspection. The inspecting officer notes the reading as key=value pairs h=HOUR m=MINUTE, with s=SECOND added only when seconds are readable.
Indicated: h=2 m=52 s=53
